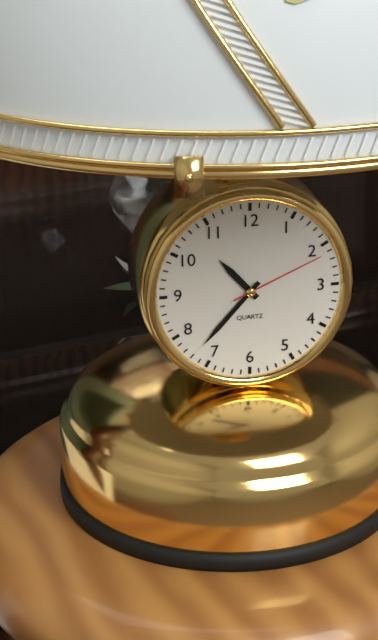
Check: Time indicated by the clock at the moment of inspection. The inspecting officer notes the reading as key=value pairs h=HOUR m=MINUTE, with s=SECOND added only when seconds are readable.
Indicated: h=10 m=37 s=11
